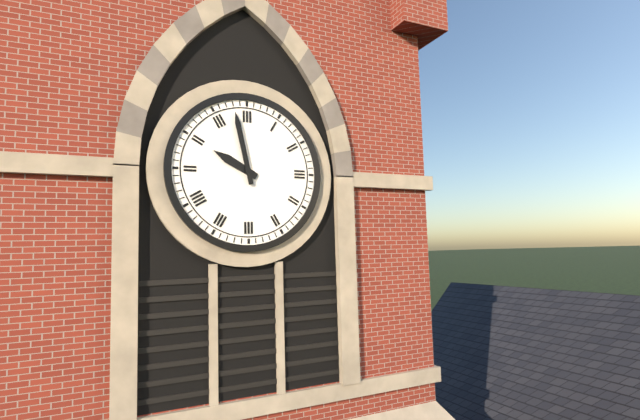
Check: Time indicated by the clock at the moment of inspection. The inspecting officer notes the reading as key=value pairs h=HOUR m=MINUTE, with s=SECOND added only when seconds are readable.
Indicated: h=9 m=58
